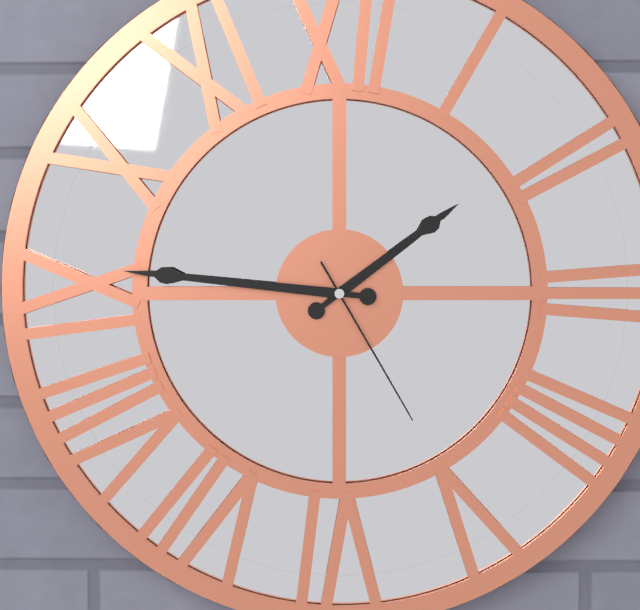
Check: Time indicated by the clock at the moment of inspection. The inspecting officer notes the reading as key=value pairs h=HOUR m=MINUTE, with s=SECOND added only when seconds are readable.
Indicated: h=1 m=46 s=25
